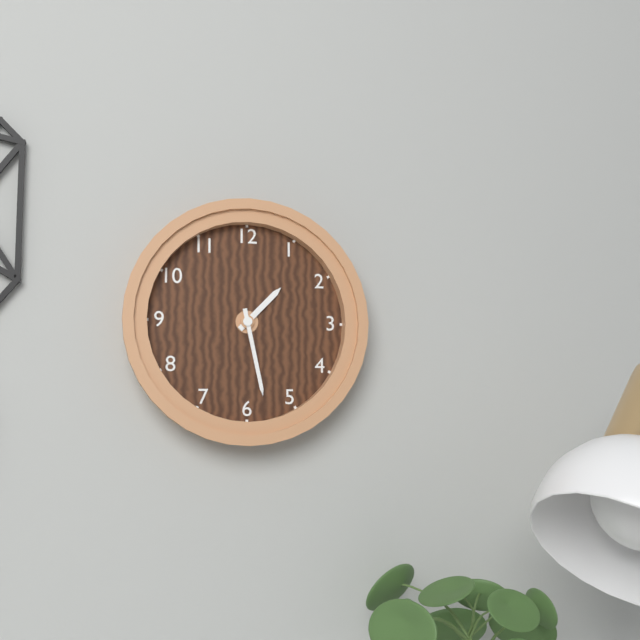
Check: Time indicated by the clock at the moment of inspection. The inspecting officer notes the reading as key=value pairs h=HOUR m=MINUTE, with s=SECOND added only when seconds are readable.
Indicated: h=1 m=28
